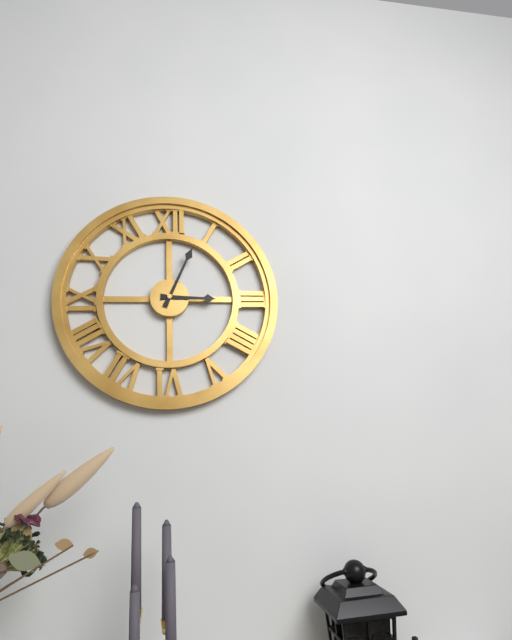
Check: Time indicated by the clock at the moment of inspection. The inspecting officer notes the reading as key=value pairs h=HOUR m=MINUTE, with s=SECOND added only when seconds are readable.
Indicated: h=3 m=4
